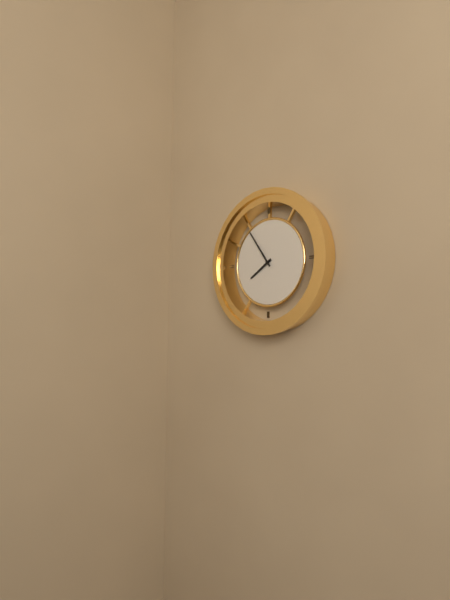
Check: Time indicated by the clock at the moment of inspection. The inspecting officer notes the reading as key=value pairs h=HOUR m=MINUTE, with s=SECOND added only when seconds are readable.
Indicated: h=7 m=54
